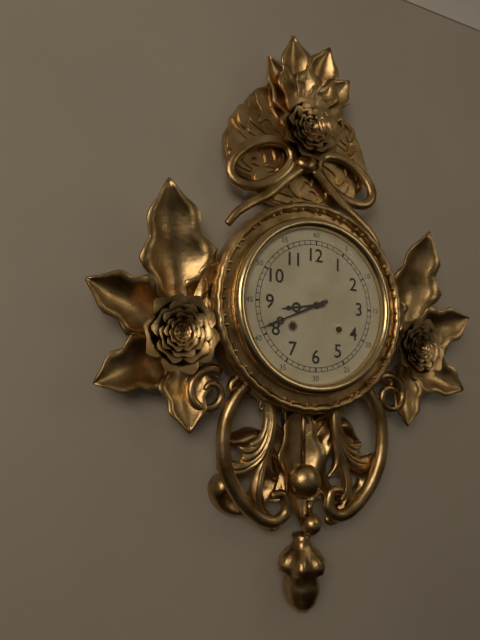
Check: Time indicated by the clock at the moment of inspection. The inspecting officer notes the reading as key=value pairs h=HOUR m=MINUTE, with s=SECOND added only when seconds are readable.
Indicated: h=8 m=41
